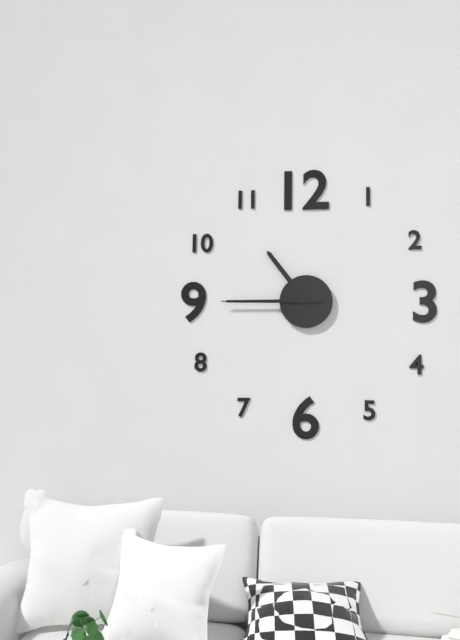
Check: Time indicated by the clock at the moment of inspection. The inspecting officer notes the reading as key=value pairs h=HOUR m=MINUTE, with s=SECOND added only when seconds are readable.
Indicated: h=10 m=45 s=45
